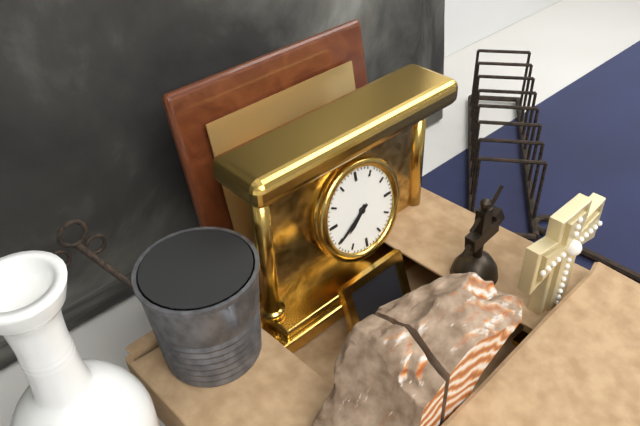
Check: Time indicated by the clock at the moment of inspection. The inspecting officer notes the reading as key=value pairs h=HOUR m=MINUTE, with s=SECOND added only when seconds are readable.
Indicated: h=7 m=40
